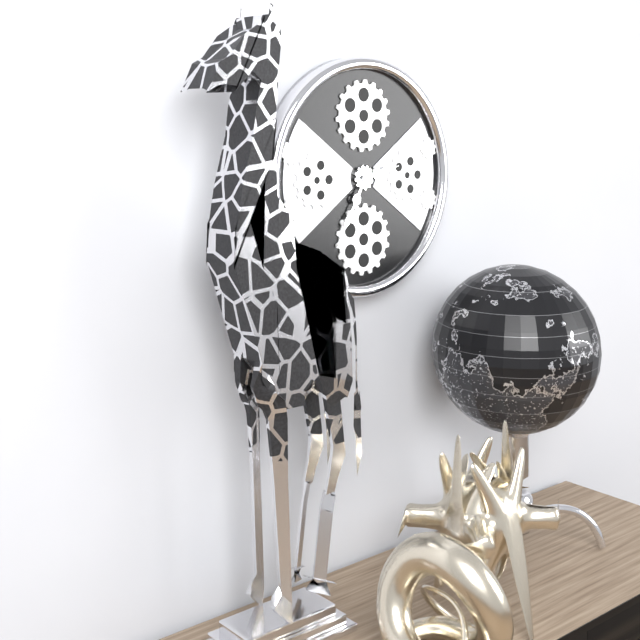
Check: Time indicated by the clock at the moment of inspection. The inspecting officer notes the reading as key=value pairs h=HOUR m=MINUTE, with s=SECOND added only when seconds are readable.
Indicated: h=2 m=35
